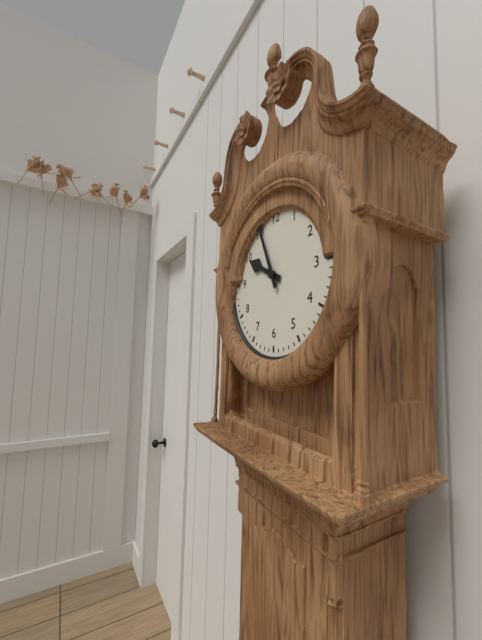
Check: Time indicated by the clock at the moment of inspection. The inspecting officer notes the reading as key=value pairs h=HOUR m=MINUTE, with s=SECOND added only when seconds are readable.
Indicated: h=9 m=56
